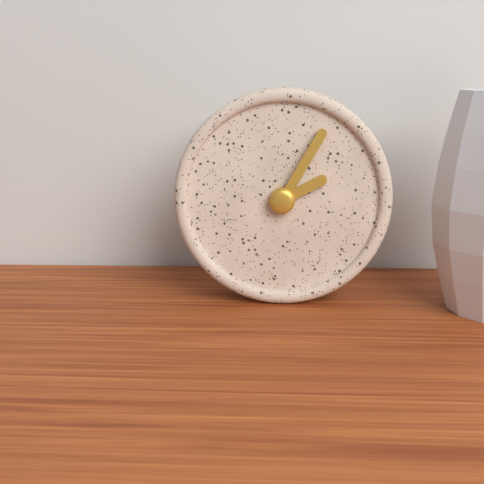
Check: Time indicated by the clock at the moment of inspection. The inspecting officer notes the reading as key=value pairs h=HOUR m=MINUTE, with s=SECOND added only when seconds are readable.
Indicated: h=2 m=5
